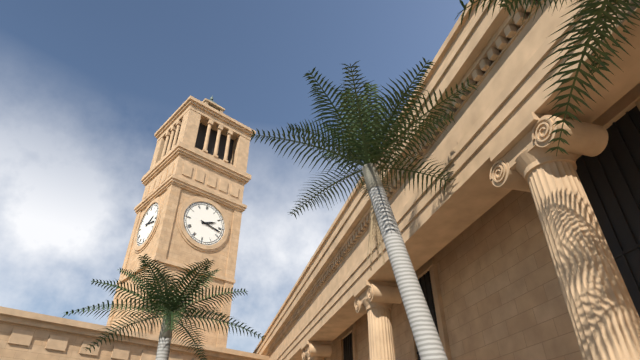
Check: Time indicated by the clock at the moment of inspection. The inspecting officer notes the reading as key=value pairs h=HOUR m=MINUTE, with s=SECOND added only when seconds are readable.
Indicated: h=2 m=17
